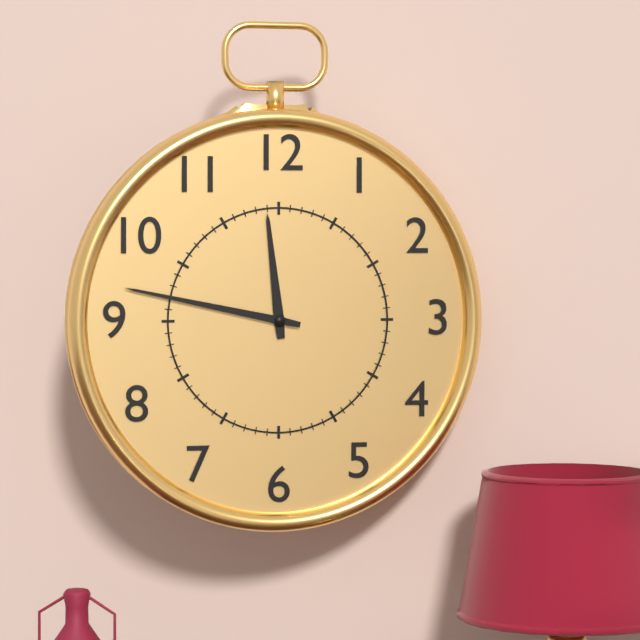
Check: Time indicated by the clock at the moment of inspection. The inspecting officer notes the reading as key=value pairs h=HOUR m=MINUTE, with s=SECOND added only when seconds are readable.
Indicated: h=11 m=47
